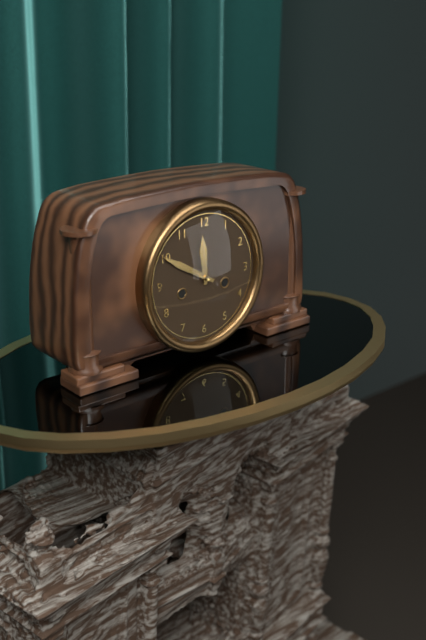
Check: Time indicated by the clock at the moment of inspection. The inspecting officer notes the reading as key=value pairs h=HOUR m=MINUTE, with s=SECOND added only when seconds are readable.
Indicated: h=11 m=50
